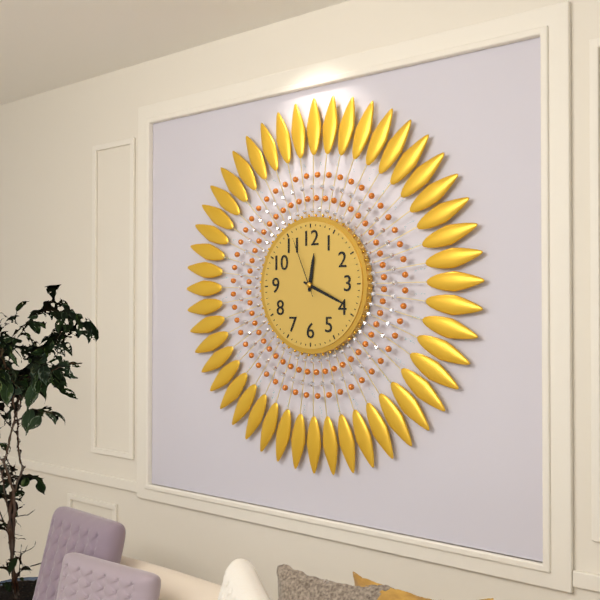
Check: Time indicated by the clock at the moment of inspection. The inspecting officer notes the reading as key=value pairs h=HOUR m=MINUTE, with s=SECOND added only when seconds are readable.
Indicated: h=12 m=19 s=56
